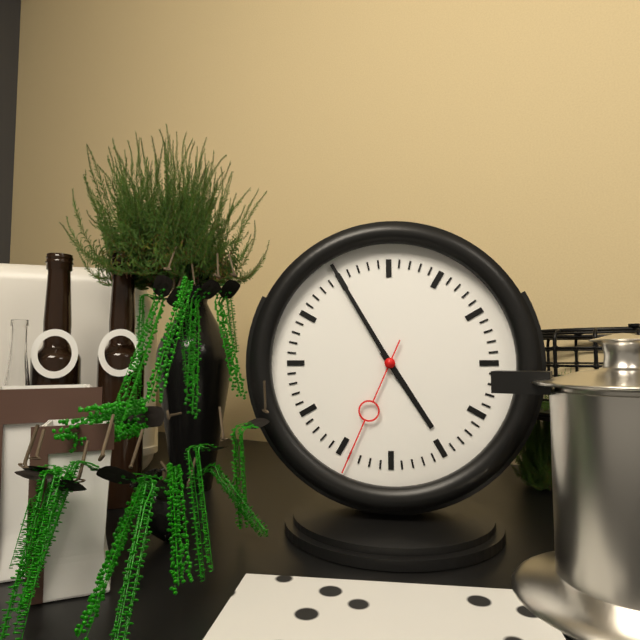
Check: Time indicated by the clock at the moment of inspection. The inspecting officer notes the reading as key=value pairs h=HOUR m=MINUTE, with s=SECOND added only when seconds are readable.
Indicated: h=4 m=55 s=34
